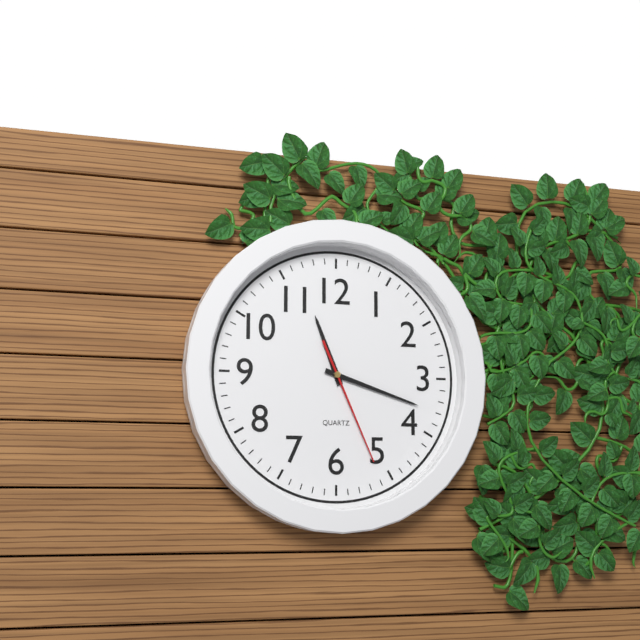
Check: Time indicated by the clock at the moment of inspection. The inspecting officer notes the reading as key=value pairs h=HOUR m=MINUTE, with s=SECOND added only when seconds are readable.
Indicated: h=11 m=18 s=26
